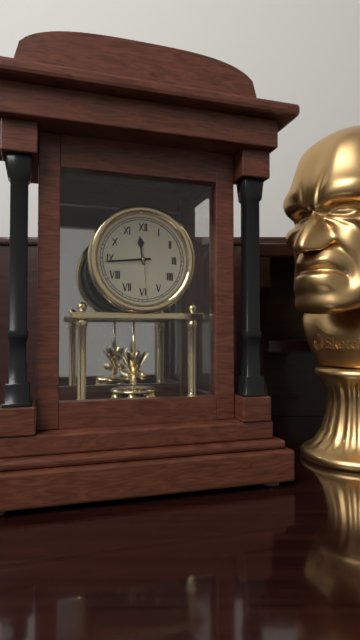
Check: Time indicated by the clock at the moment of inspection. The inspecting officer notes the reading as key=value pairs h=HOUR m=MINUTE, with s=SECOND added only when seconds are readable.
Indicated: h=11 m=44 s=29
